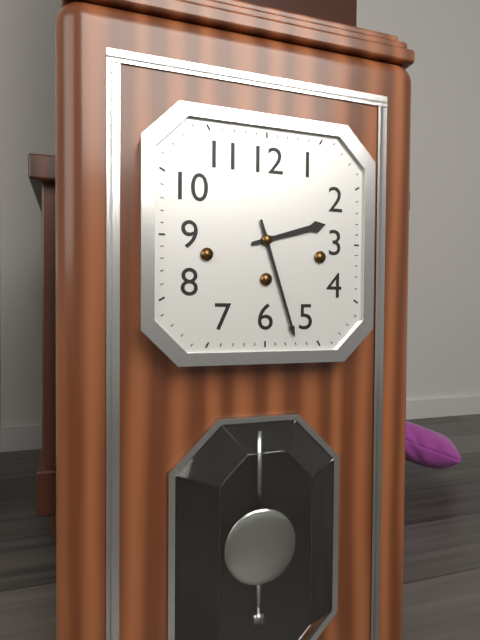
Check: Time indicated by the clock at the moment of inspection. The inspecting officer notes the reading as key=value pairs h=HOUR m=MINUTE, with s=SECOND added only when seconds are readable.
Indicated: h=2 m=27
